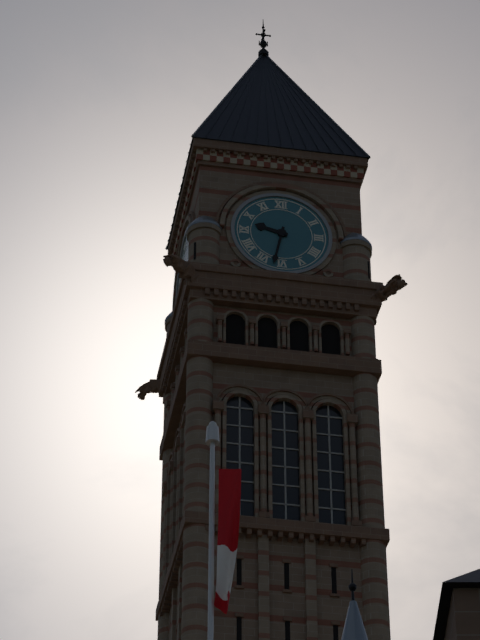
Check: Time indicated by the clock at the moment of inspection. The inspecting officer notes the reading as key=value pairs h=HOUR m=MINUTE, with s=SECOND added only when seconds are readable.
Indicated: h=9 m=32
